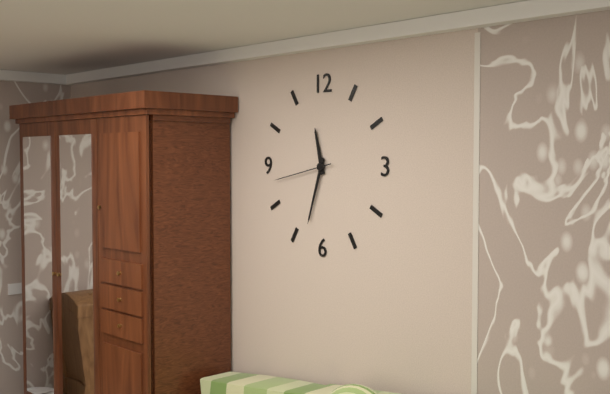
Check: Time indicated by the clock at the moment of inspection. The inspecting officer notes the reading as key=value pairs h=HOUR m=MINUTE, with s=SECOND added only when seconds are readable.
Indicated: h=11 m=33 s=43
